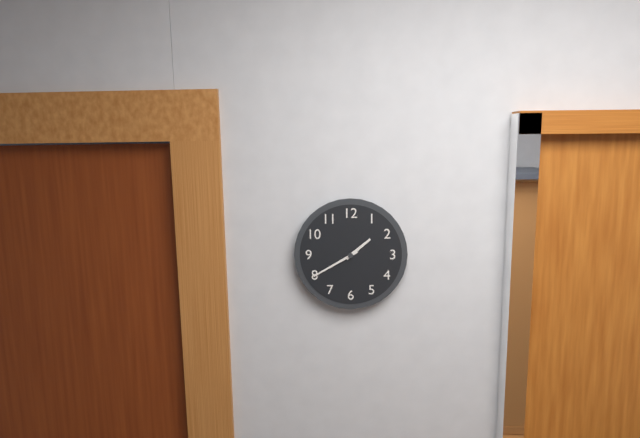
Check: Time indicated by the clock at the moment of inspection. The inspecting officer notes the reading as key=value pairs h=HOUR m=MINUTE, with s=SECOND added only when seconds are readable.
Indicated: h=1 m=40
